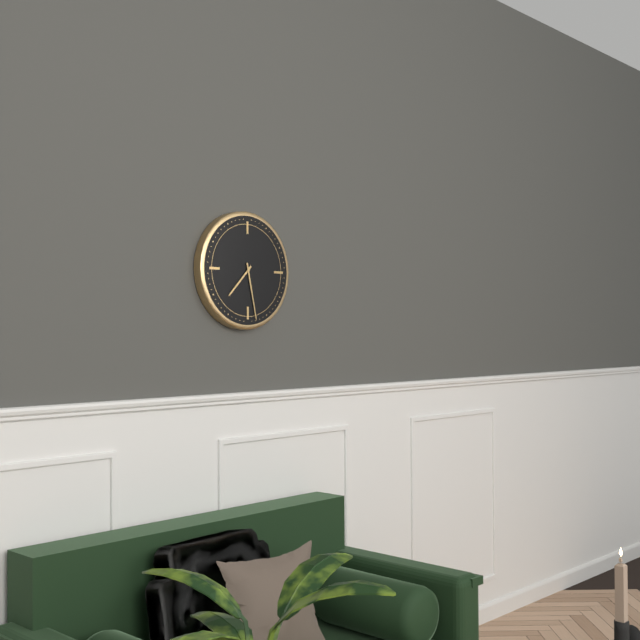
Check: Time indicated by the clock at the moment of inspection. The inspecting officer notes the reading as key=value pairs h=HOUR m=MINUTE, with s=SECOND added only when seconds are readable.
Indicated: h=7 m=28
